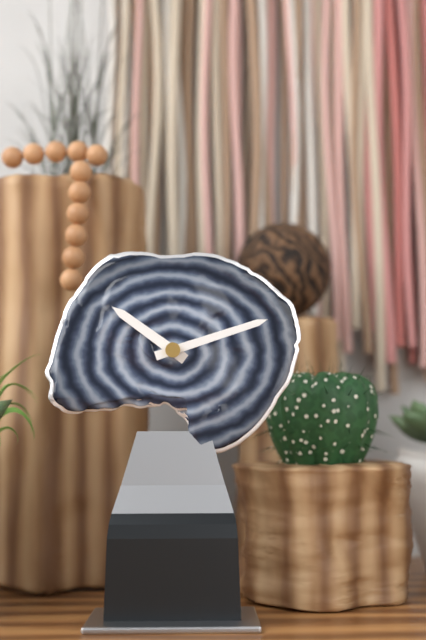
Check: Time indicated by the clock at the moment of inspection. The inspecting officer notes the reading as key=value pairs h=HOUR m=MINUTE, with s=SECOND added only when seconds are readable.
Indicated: h=10 m=12
